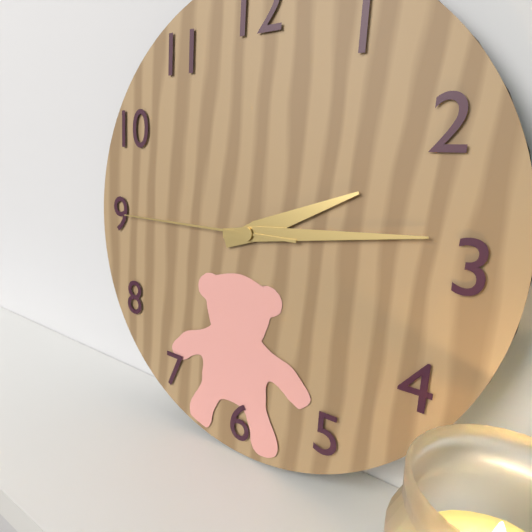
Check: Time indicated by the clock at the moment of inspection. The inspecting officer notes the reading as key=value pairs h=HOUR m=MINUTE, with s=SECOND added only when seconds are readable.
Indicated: h=2 m=14 s=45
